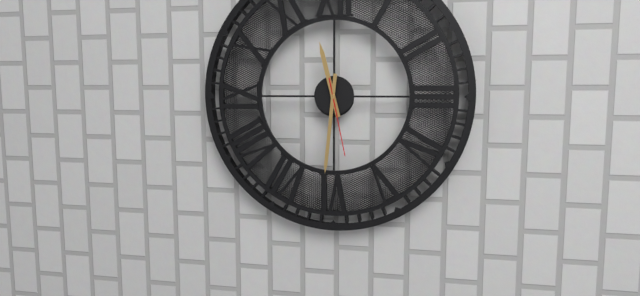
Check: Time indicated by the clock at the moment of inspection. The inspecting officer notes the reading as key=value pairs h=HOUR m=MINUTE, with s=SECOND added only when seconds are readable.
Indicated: h=11 m=31 s=28
